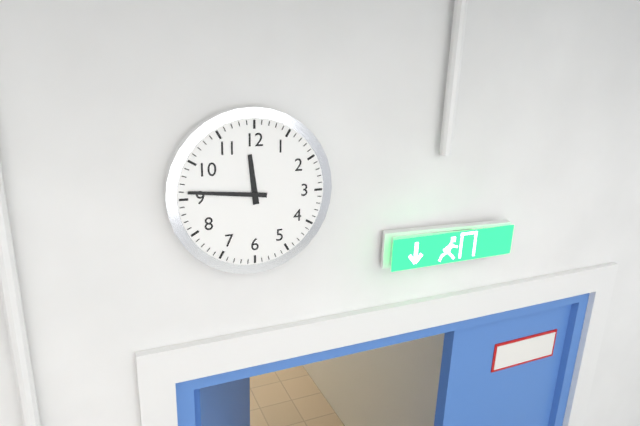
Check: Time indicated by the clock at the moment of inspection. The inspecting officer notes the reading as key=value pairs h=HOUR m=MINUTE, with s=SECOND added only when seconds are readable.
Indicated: h=11 m=46
